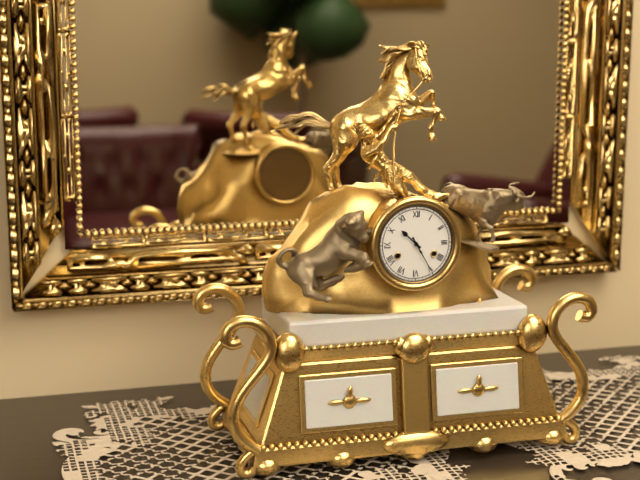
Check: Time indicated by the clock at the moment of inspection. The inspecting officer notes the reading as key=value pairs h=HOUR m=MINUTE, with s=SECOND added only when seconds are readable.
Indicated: h=10 m=25
